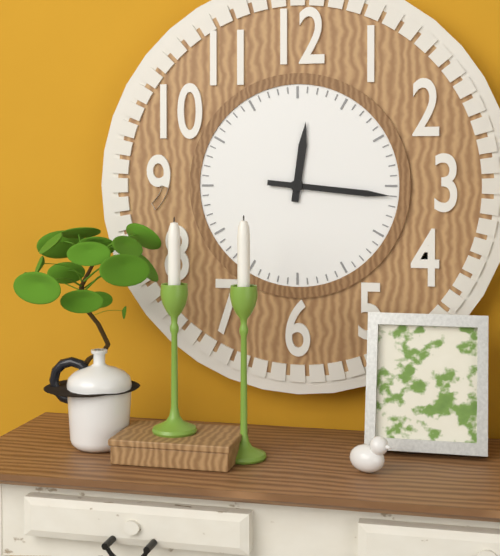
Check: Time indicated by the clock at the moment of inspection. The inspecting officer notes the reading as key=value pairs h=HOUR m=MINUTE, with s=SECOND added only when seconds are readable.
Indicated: h=12 m=16
